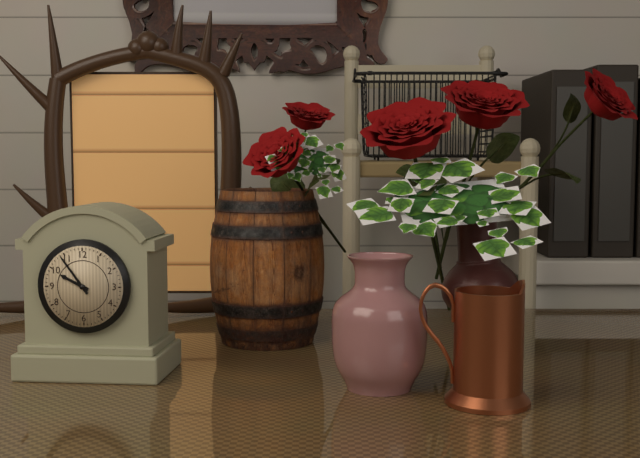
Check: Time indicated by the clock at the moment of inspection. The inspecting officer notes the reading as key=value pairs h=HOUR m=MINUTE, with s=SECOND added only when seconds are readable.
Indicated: h=9 m=54
